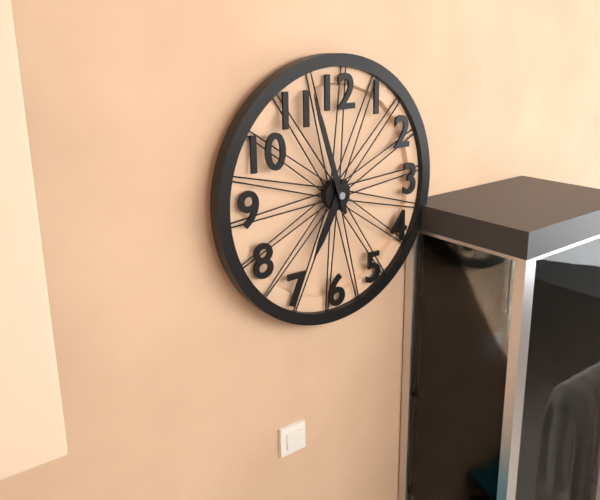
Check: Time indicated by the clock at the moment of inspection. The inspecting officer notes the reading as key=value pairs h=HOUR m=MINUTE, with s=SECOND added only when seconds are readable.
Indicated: h=6 m=57
